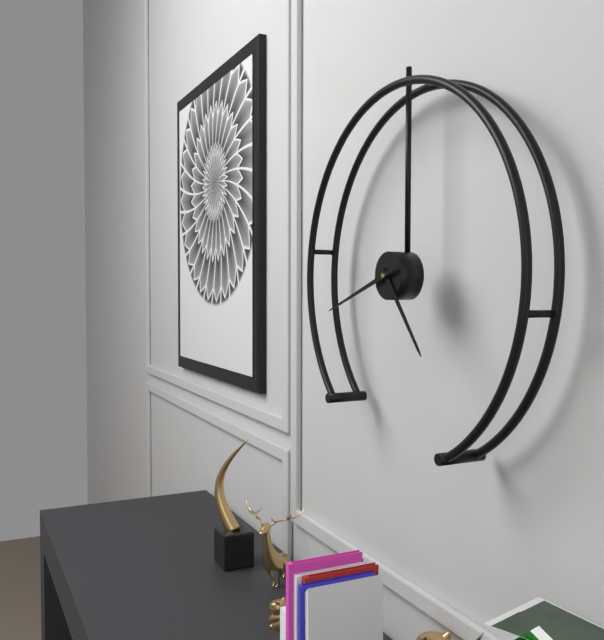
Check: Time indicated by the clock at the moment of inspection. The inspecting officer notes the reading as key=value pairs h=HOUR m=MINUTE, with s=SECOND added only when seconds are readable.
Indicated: h=4 m=42
